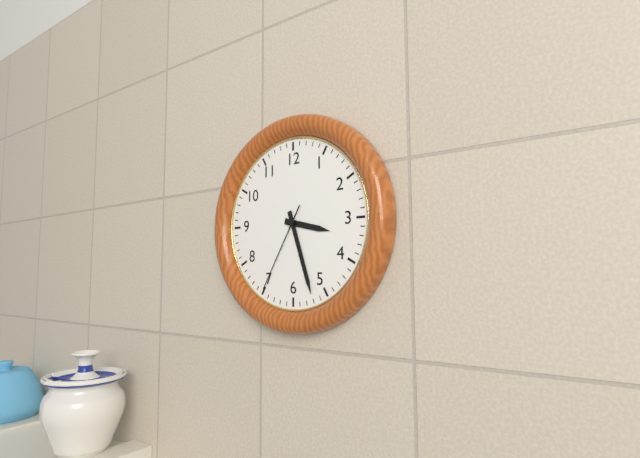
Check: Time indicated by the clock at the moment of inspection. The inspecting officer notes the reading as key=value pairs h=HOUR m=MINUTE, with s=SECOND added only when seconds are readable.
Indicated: h=3 m=27 s=35
